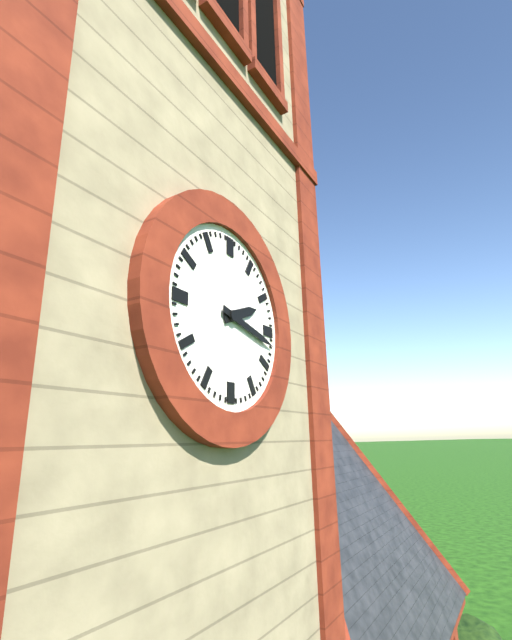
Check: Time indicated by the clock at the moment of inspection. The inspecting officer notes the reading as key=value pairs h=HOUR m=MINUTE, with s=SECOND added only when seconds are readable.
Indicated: h=2 m=17
